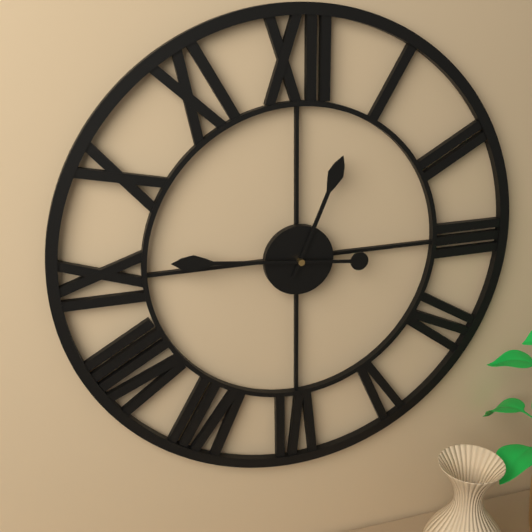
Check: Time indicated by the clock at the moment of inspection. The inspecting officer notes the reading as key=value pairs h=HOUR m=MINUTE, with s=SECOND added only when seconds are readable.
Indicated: h=12 m=46
